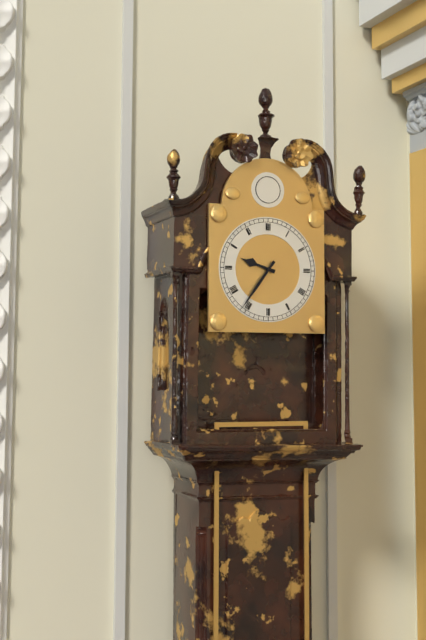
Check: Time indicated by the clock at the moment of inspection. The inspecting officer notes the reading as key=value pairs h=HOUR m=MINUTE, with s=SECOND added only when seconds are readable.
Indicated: h=9 m=36
